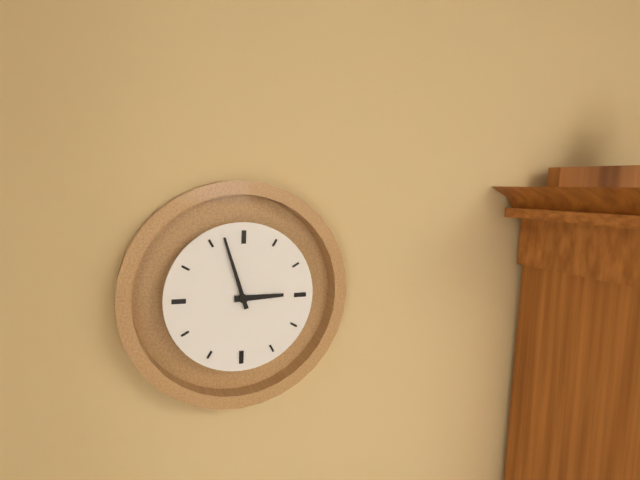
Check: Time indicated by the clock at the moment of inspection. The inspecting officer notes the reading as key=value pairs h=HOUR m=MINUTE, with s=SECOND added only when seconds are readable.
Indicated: h=2 m=57
